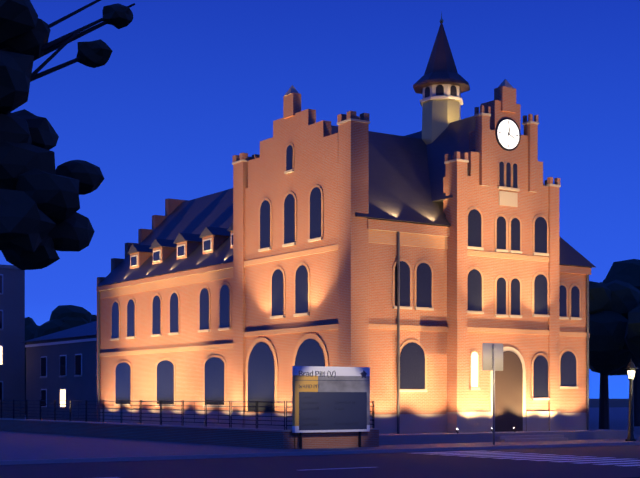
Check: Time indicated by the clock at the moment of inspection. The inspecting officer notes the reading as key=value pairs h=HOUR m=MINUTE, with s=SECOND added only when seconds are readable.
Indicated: h=12 m=19
